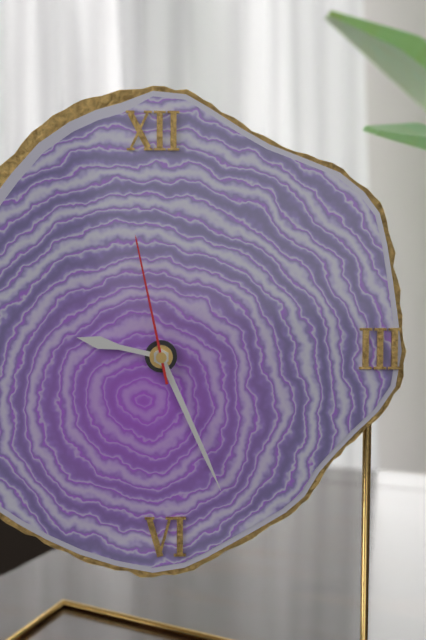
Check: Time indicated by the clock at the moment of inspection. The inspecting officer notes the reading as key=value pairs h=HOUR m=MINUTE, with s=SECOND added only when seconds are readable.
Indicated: h=9 m=26 s=58
